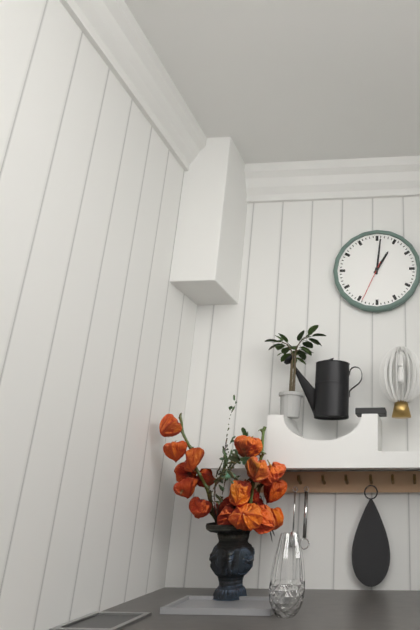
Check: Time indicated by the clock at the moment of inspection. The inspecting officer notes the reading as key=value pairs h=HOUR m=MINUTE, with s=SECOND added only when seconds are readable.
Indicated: h=1 m=1
